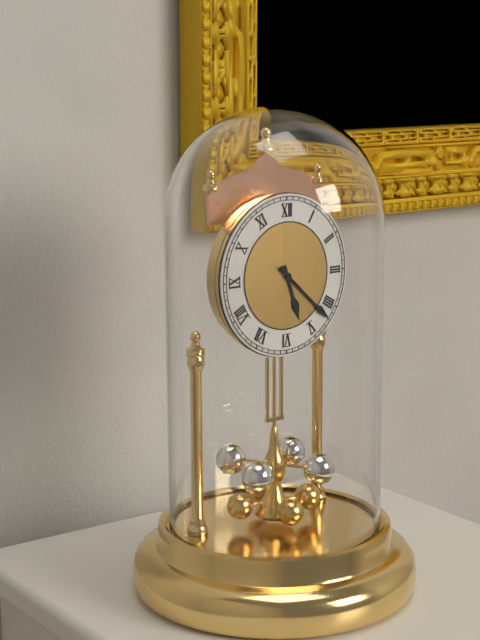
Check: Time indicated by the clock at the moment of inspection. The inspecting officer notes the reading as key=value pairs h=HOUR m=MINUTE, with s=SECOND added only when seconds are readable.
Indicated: h=5 m=22
